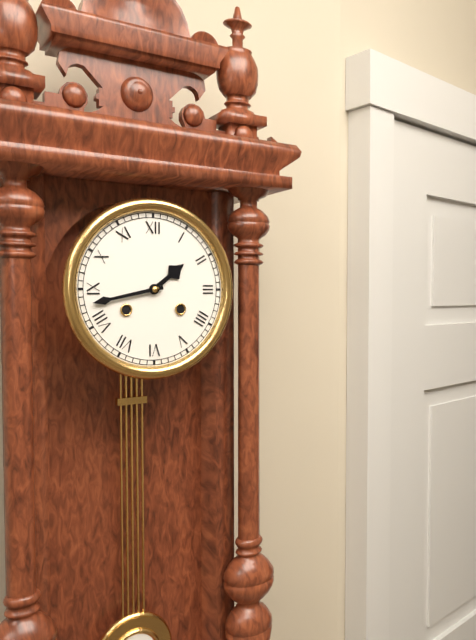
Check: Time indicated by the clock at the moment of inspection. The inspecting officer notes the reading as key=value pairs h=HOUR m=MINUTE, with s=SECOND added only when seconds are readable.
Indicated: h=1 m=43
